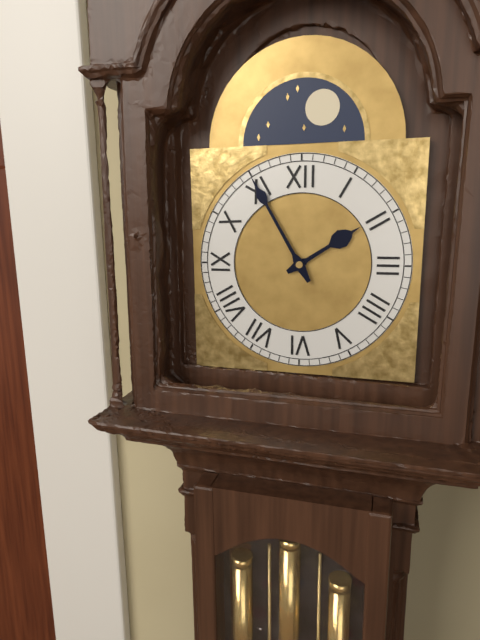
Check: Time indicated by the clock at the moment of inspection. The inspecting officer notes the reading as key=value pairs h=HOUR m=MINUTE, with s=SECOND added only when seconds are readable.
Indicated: h=1 m=55
